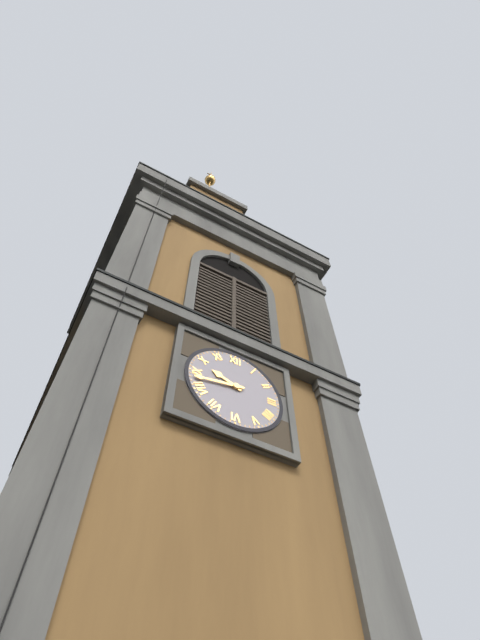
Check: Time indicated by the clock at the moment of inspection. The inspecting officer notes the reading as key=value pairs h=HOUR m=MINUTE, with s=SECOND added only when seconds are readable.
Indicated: h=9 m=43
